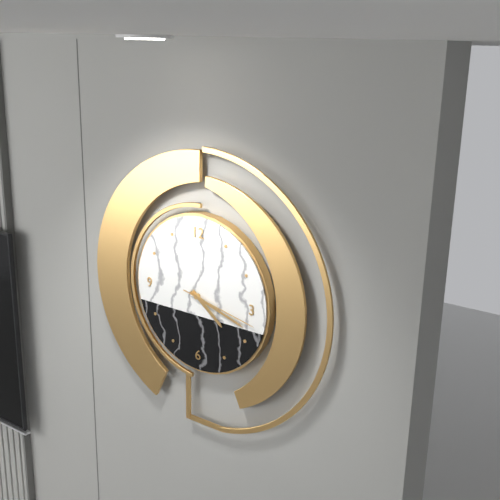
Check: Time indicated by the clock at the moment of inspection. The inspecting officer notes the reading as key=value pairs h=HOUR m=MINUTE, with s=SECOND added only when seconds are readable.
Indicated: h=4 m=18 s=17
